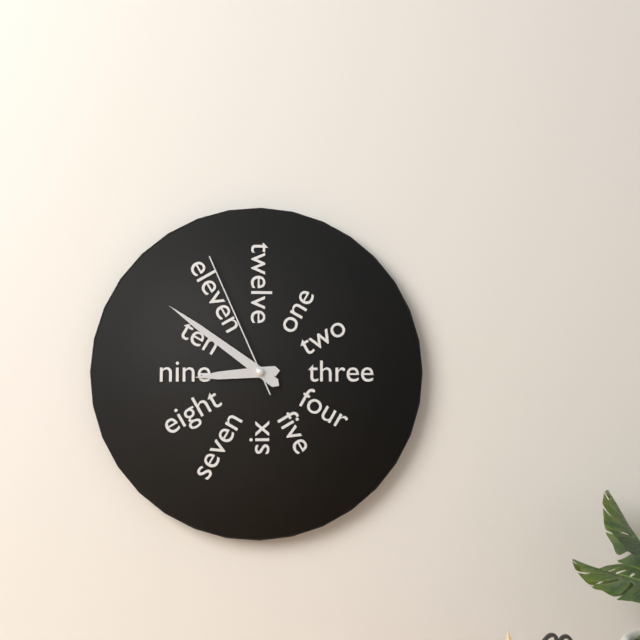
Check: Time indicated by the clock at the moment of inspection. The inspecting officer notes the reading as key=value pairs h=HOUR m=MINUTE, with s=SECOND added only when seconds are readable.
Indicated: h=8 m=51 s=56
